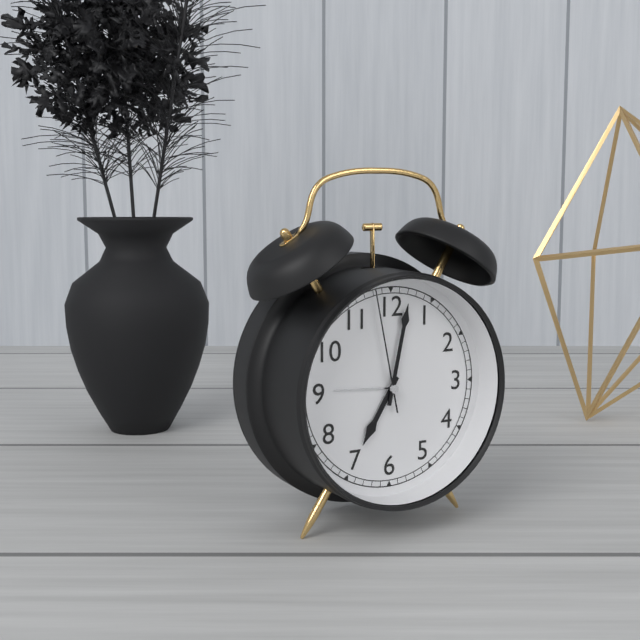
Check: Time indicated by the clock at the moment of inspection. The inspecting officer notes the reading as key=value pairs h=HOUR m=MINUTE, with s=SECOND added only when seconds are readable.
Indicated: h=7 m=2 s=58
